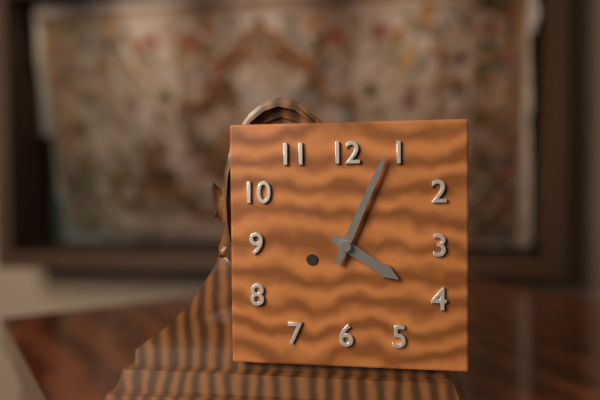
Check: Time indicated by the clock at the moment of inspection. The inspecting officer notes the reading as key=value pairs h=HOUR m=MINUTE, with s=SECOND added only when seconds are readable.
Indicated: h=4 m=4
